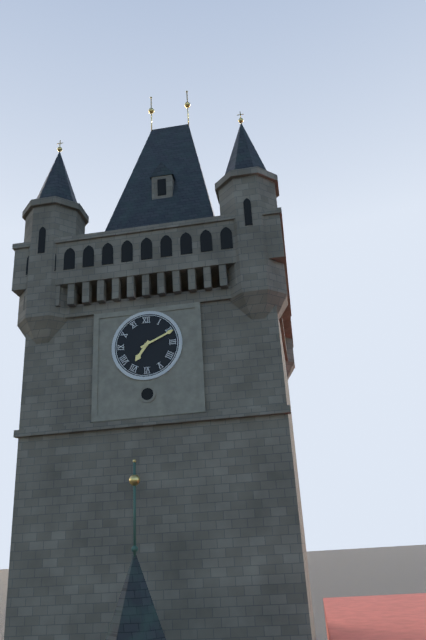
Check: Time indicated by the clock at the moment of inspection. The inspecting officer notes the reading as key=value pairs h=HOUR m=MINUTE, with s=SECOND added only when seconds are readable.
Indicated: h=7 m=11
